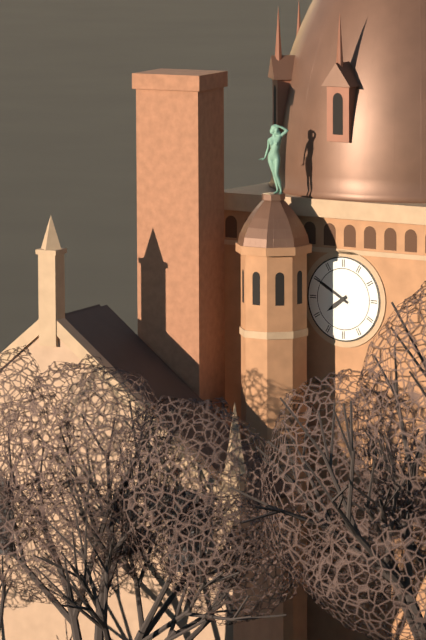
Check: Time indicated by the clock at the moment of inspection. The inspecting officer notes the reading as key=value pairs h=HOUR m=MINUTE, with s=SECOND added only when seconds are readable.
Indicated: h=7 m=50
